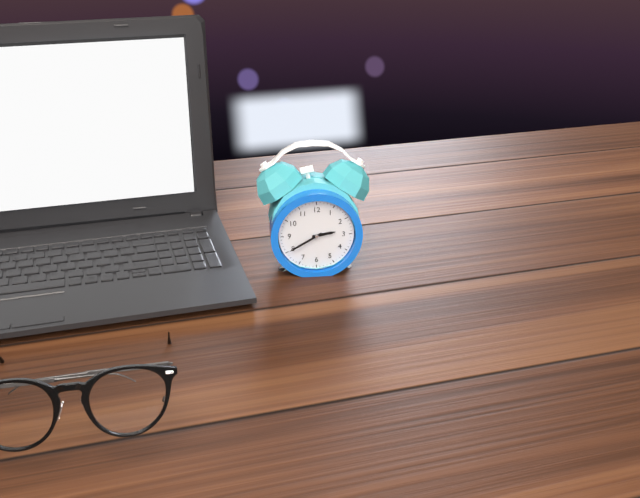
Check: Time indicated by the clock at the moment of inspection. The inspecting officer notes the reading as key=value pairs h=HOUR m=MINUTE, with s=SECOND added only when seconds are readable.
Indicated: h=2 m=40
